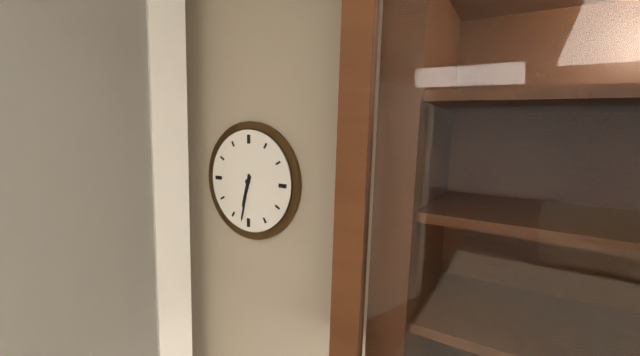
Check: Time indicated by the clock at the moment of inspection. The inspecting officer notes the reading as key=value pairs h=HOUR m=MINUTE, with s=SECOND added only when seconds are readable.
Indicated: h=6 m=32
